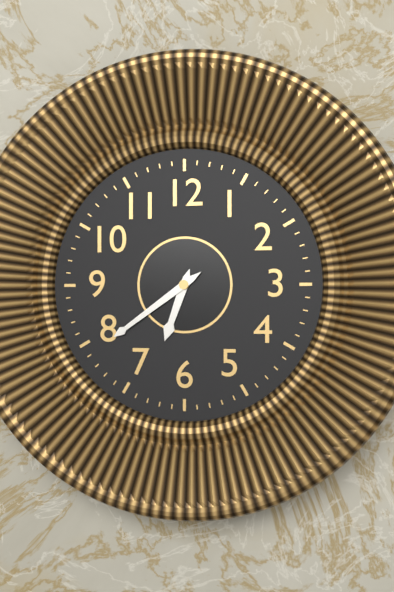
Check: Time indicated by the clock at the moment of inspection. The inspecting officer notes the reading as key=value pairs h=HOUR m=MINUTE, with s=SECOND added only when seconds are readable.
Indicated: h=6 m=39
